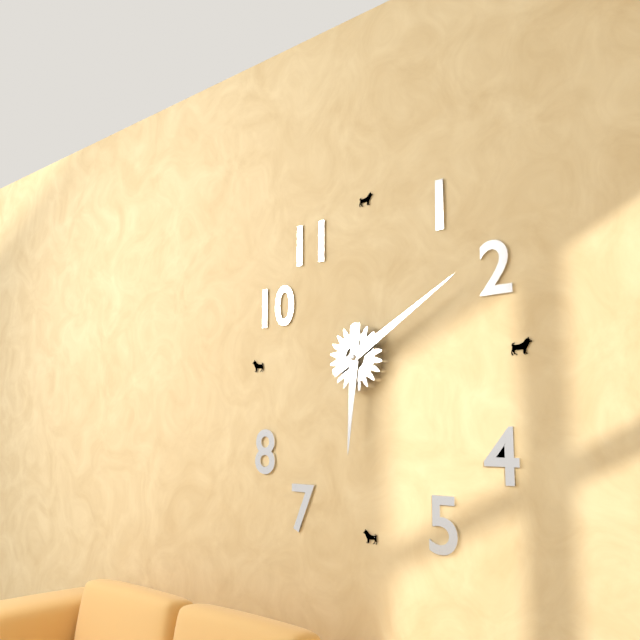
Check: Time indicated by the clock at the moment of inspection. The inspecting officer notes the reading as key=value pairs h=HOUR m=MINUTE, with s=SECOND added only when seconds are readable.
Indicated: h=6 m=10
